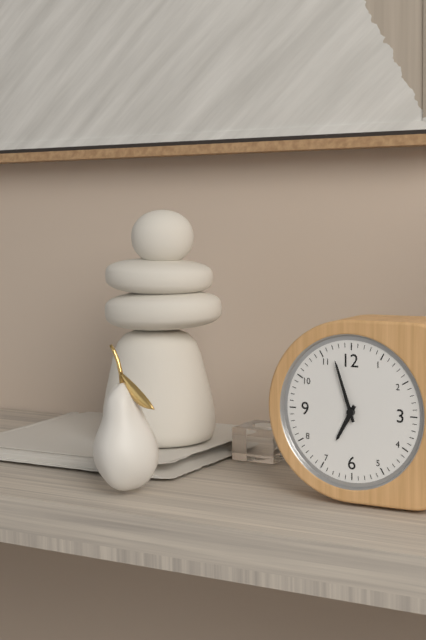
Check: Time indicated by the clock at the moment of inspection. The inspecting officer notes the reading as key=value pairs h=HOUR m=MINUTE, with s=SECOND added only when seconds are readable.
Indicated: h=6 m=57
